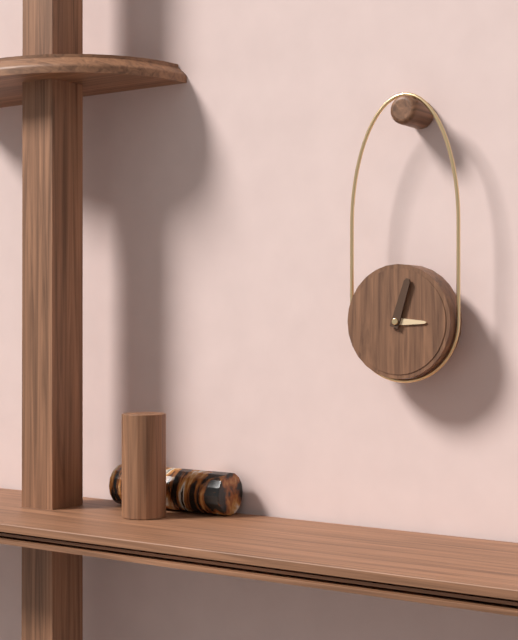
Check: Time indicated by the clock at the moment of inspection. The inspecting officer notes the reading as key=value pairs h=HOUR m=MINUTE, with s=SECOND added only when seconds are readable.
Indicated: h=3 m=3
